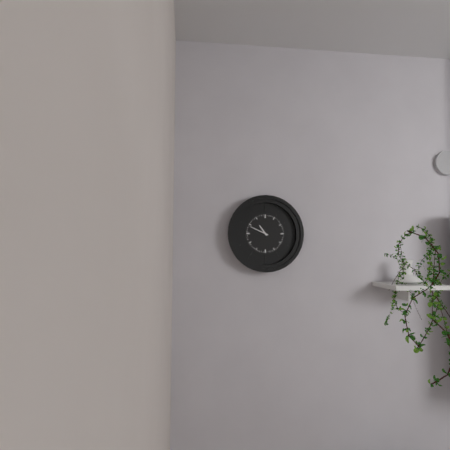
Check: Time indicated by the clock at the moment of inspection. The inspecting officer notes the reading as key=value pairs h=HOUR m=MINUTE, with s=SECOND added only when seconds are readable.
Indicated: h=10 m=49
